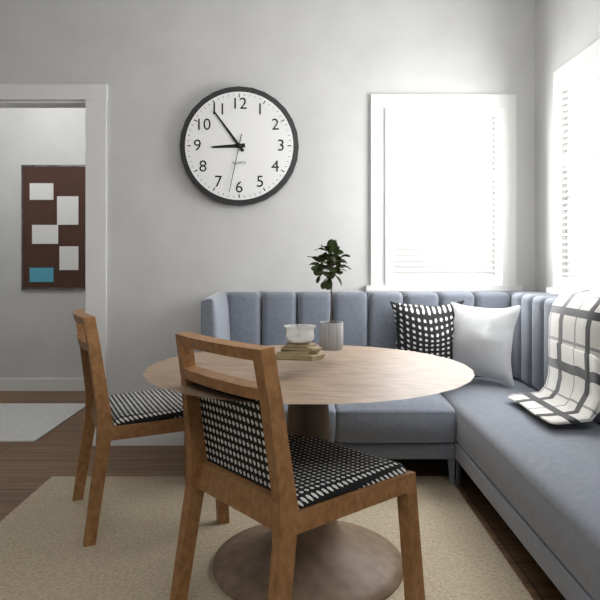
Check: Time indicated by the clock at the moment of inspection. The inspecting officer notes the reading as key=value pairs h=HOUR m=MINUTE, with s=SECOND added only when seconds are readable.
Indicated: h=8 m=54 s=32
